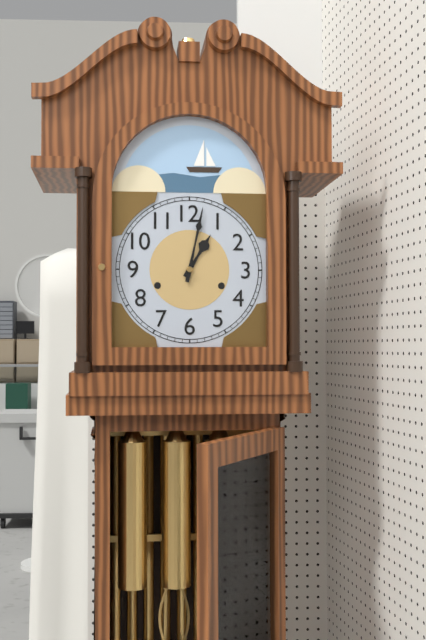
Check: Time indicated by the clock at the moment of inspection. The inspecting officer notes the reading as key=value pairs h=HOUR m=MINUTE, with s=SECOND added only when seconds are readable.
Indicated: h=1 m=2
